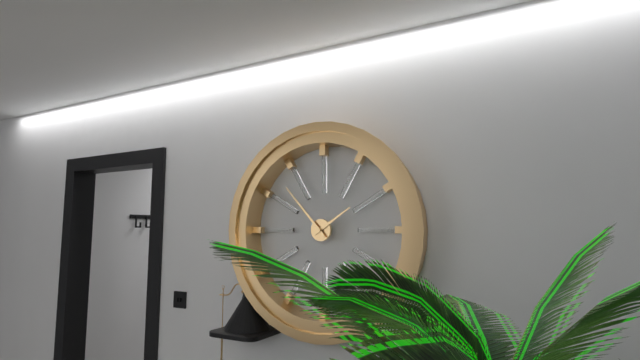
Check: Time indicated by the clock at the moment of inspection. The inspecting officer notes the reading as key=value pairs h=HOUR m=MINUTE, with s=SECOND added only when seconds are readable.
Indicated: h=1 m=53
